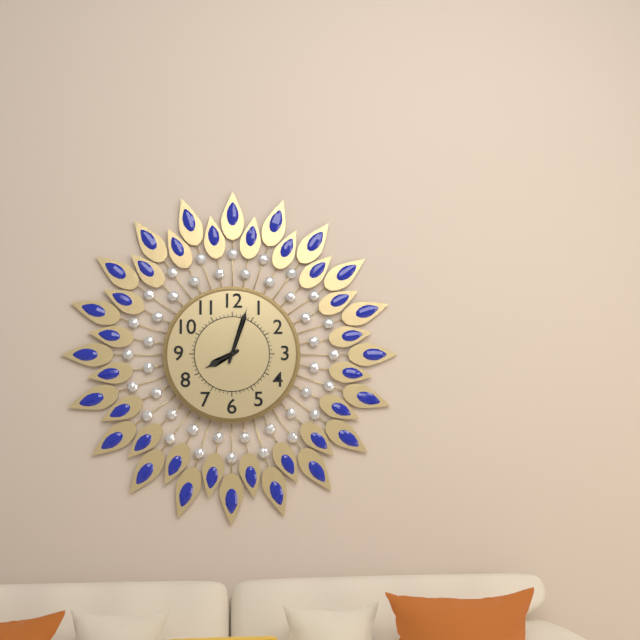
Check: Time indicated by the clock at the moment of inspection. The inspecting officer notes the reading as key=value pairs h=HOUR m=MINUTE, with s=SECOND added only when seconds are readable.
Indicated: h=8 m=3
